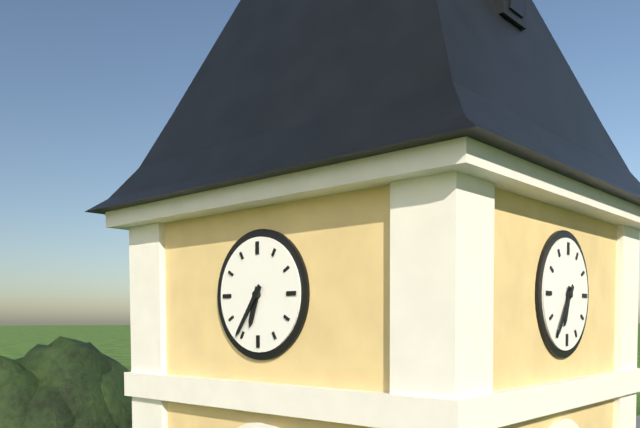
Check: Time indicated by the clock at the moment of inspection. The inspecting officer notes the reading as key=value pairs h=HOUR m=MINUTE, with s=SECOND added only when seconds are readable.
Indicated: h=6 m=36
